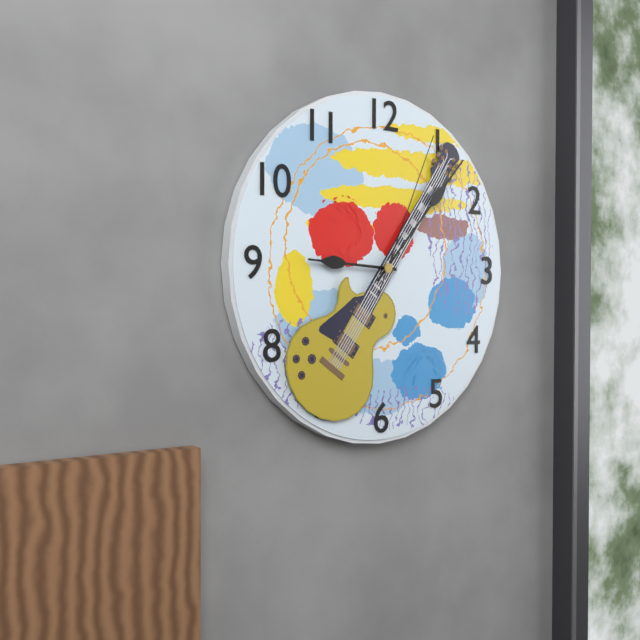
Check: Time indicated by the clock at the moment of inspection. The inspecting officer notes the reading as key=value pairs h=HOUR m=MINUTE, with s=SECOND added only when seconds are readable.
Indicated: h=9 m=7 s=4
